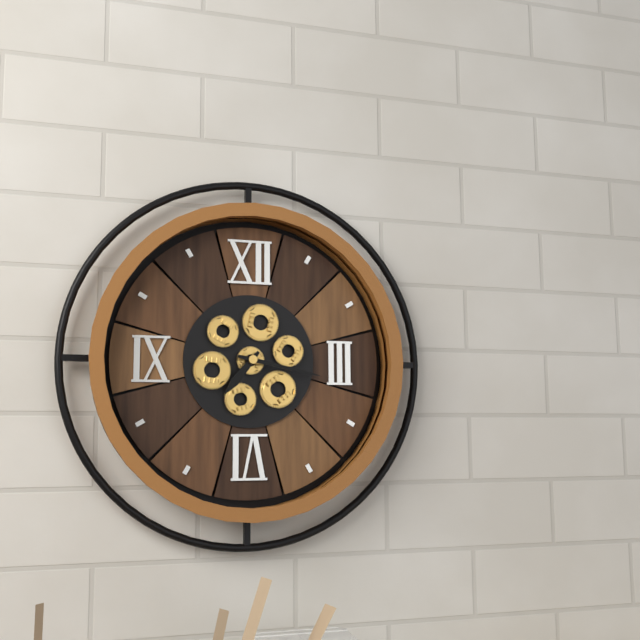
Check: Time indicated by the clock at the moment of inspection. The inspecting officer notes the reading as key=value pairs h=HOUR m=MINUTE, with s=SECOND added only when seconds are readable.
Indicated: h=7 m=17
